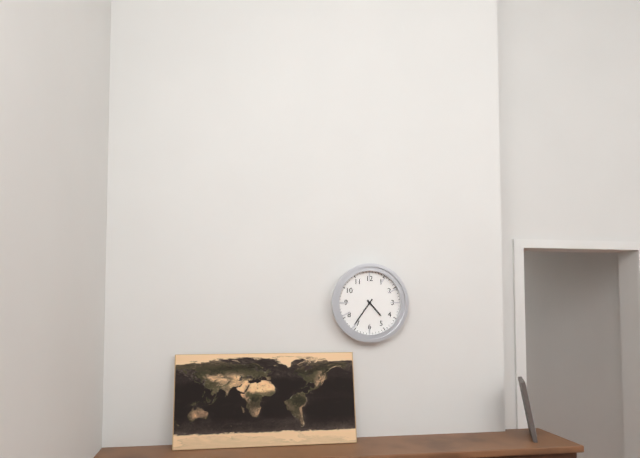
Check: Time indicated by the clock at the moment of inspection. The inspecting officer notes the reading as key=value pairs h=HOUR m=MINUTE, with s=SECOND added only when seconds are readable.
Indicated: h=4 m=36
